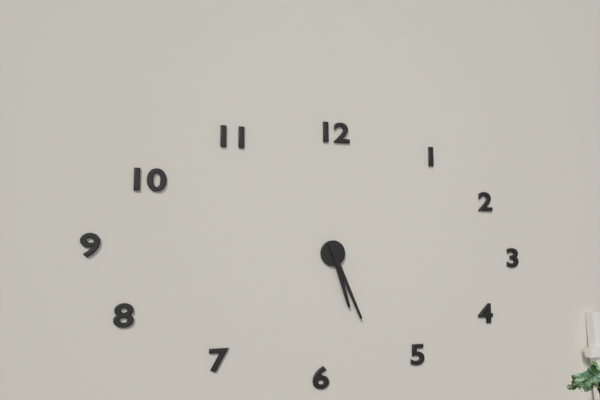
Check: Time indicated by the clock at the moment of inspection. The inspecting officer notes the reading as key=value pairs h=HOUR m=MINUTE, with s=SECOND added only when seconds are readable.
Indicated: h=5 m=26
